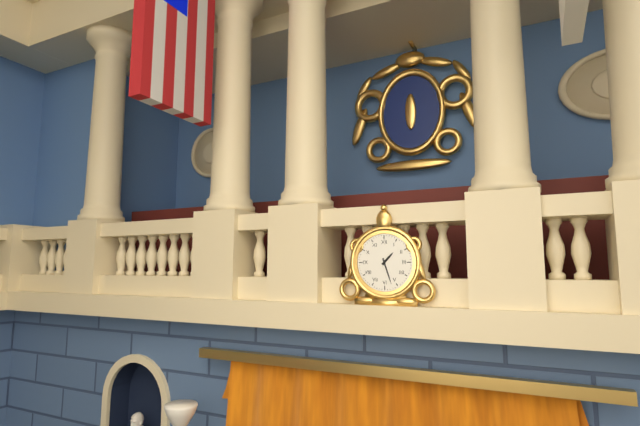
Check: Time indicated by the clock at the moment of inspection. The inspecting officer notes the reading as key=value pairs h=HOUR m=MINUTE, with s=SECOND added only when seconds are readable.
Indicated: h=1 m=27
